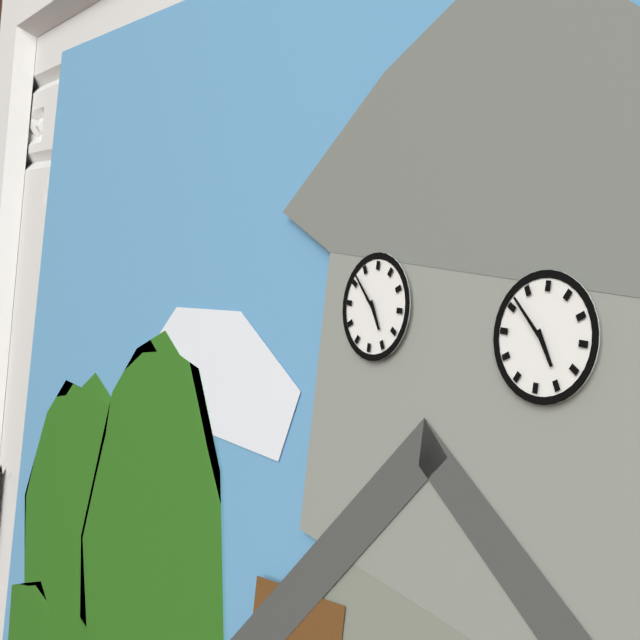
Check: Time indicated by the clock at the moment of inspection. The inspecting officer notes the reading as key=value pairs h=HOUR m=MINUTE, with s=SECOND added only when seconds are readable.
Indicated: h=4 m=52
